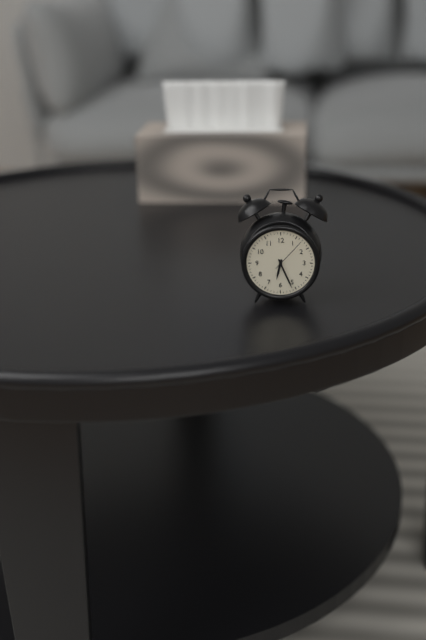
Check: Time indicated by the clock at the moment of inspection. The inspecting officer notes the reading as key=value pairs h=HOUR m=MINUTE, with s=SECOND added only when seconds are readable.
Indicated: h=6 m=26
